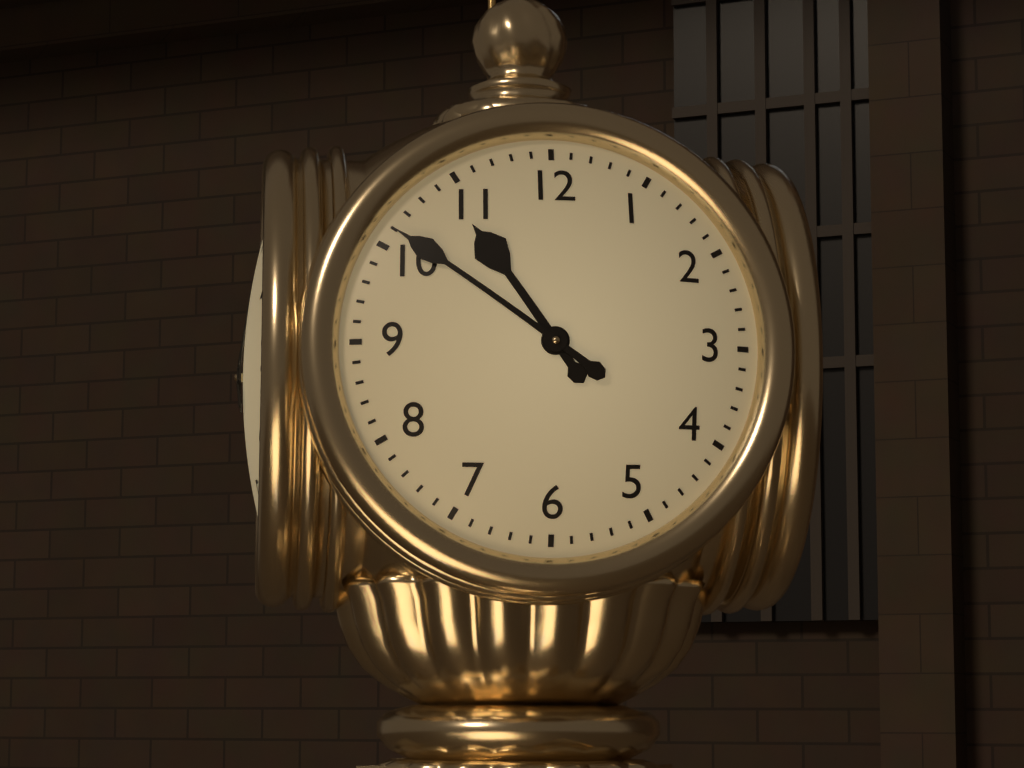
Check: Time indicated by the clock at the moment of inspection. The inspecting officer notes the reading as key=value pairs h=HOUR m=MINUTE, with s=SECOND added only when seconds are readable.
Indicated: h=10 m=51
